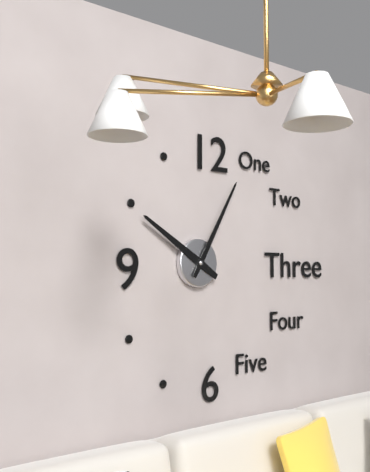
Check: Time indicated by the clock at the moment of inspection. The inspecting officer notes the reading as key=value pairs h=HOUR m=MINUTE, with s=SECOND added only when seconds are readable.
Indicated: h=10 m=5
